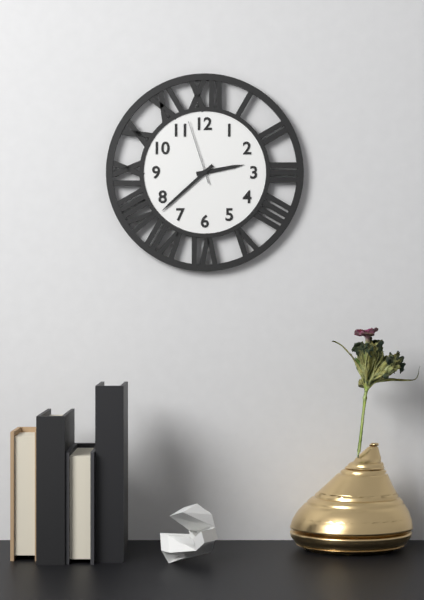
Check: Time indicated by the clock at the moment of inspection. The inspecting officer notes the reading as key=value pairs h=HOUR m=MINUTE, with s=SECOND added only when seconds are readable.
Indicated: h=2 m=38 s=57
